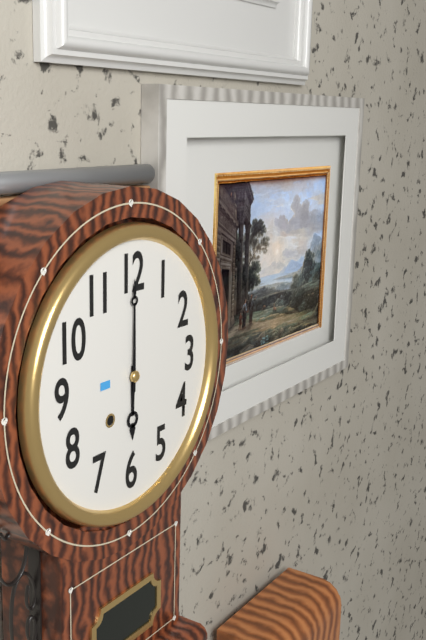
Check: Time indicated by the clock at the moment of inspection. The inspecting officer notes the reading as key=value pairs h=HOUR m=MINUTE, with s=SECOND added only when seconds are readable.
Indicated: h=6 m=0
